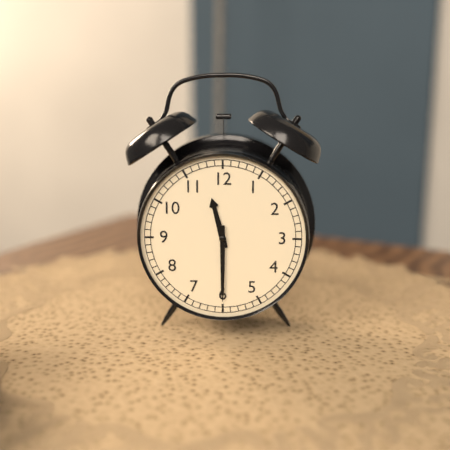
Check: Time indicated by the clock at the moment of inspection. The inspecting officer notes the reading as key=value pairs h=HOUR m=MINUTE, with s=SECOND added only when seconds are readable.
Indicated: h=11 m=30
